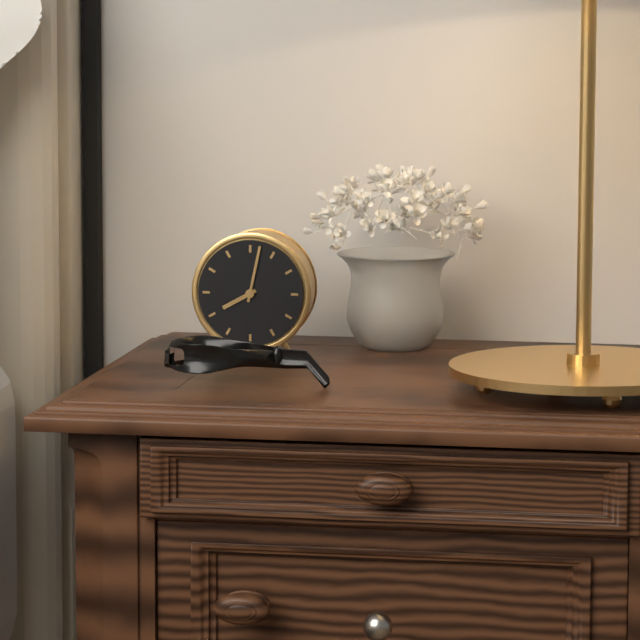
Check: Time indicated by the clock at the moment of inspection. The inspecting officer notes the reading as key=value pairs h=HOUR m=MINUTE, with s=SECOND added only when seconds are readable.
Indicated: h=8 m=2
